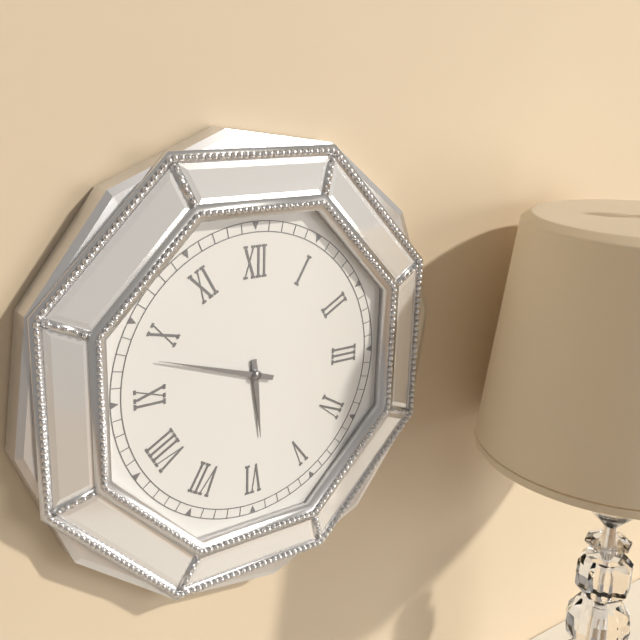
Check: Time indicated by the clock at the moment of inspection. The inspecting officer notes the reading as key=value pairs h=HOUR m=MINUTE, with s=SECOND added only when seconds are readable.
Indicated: h=5 m=48
